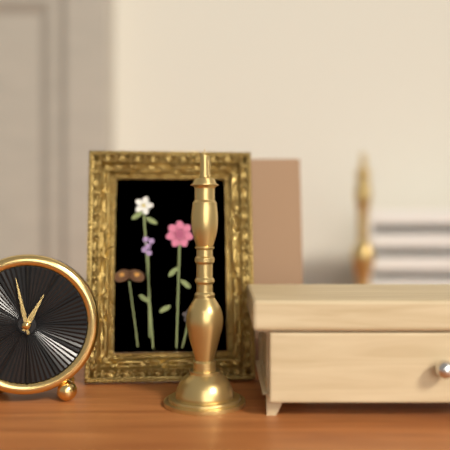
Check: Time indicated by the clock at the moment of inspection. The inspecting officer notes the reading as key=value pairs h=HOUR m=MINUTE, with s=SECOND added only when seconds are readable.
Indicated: h=12 m=58
